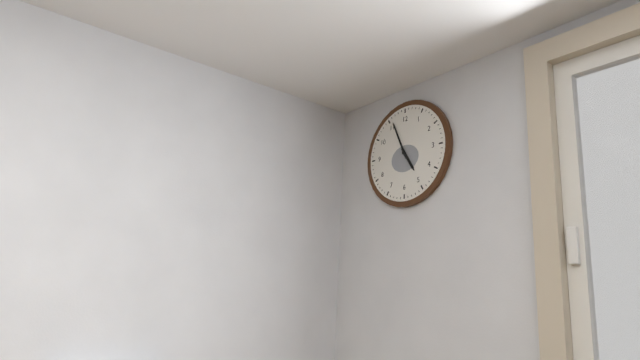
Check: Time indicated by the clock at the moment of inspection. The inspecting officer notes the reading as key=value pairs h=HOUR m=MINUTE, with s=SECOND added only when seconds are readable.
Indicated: h=4 m=56
